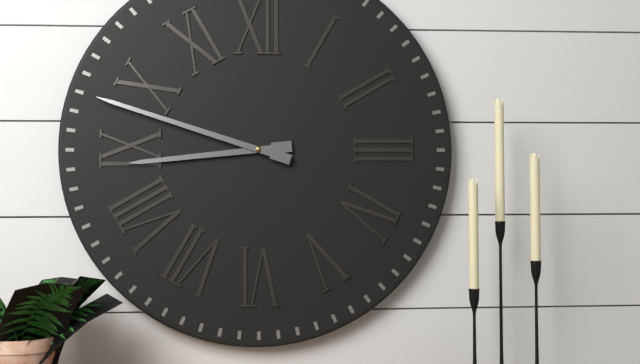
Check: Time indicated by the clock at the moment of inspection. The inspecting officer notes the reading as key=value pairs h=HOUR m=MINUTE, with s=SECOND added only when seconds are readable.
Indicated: h=8 m=48
